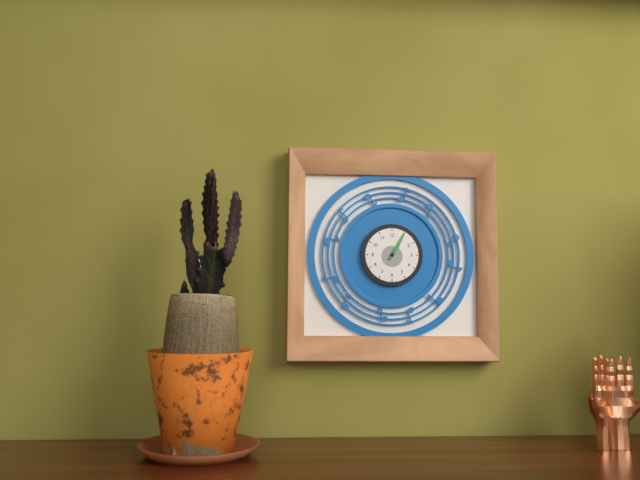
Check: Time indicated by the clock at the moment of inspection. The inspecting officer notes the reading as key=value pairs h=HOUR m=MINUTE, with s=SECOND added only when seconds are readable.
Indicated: h=1 m=5
